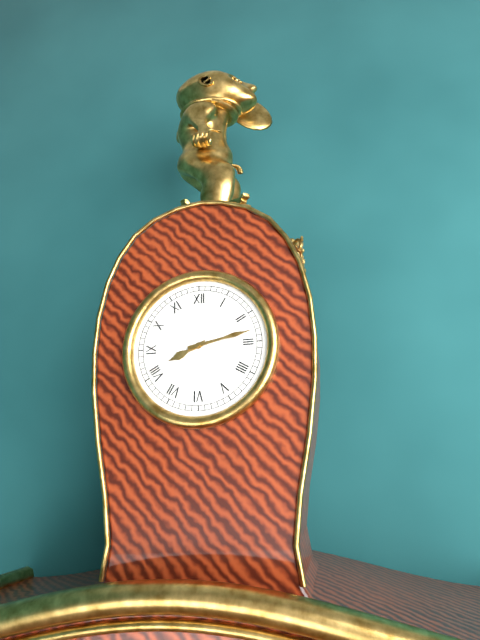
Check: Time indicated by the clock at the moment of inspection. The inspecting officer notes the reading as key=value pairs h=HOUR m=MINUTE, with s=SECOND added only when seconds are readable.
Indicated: h=8 m=13
